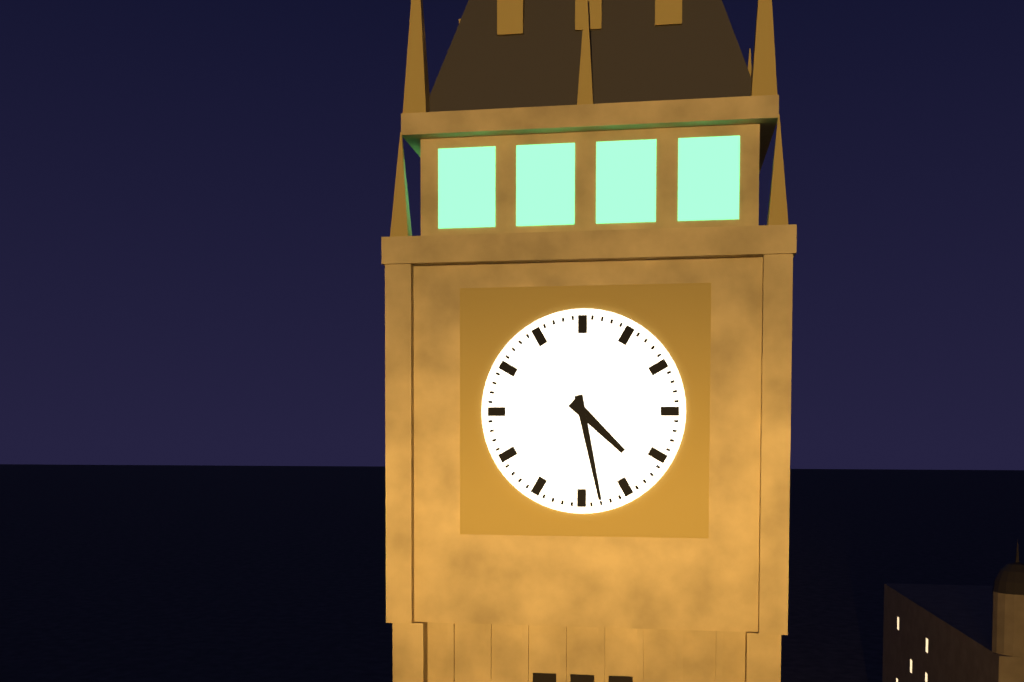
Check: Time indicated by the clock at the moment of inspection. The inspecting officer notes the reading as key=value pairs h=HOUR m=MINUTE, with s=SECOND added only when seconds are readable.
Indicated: h=4 m=28
